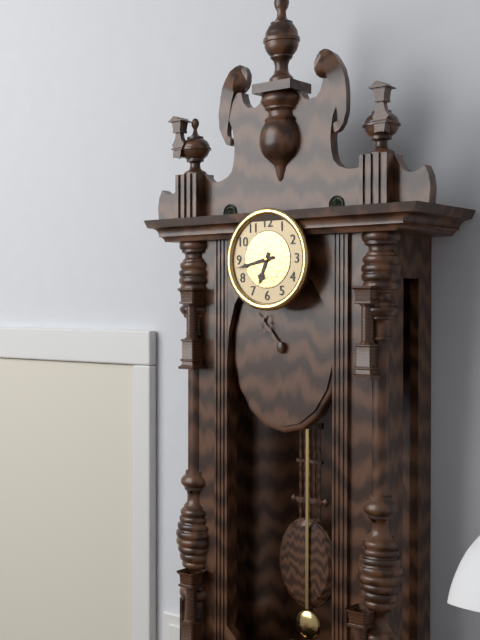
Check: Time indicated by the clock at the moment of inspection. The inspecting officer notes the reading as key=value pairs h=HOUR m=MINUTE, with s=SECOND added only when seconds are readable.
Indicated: h=6 m=43
